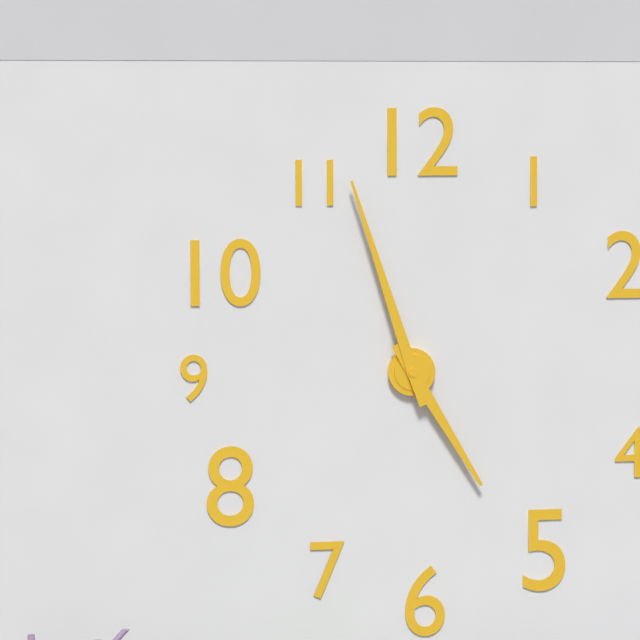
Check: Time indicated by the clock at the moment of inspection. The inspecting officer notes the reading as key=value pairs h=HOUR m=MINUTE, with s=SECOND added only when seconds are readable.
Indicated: h=4 m=57
